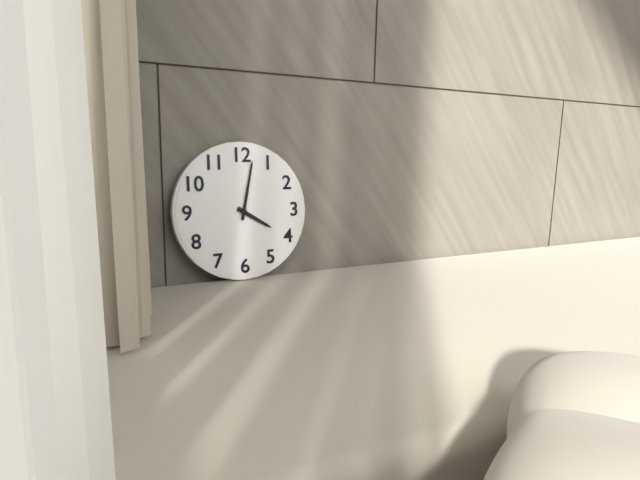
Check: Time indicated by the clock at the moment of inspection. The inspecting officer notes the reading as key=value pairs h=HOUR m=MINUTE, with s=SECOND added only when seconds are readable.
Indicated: h=4 m=2
